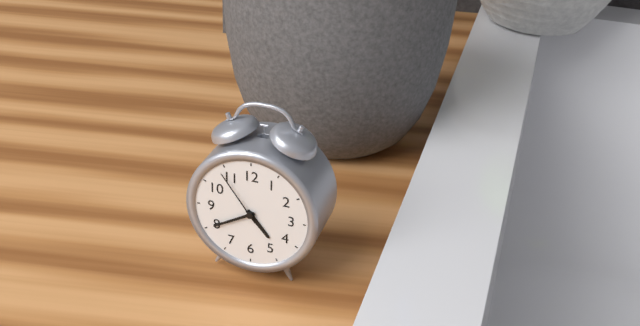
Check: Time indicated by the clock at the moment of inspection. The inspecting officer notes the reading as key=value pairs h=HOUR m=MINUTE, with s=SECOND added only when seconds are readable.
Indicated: h=4 m=40 s=54
